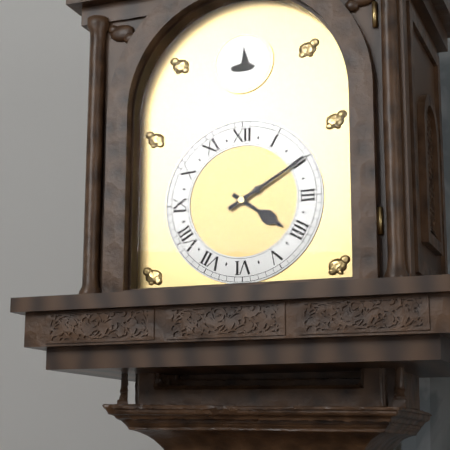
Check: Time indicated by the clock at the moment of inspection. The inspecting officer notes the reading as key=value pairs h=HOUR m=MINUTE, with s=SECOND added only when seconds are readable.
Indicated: h=4 m=10
